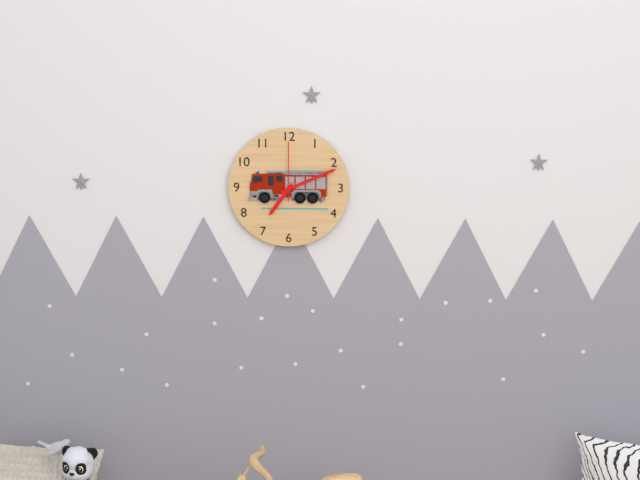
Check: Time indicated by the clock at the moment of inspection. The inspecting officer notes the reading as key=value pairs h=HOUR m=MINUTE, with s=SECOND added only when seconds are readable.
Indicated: h=7 m=11 s=0
